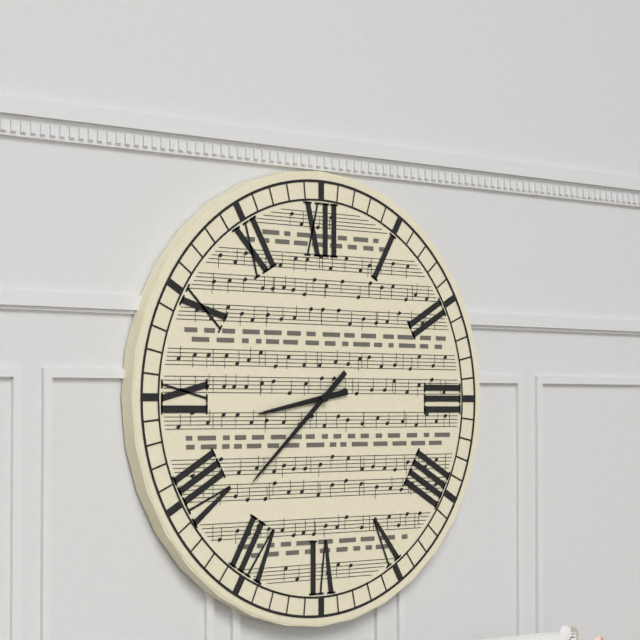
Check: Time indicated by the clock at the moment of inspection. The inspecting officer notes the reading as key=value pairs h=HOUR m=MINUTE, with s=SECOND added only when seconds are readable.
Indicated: h=8 m=38
